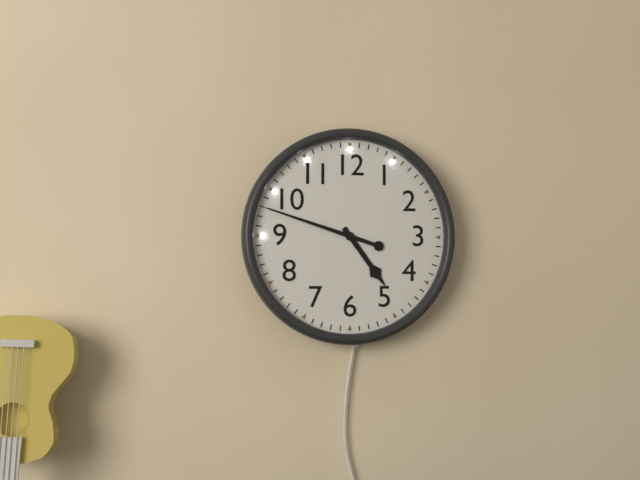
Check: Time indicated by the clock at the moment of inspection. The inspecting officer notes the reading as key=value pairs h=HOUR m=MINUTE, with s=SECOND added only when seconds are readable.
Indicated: h=4 m=48
